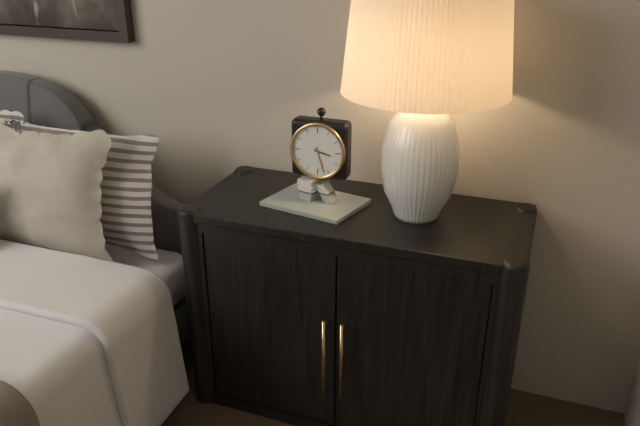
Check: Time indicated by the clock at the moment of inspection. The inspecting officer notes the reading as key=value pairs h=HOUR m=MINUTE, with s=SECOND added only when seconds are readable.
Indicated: h=3 m=27
